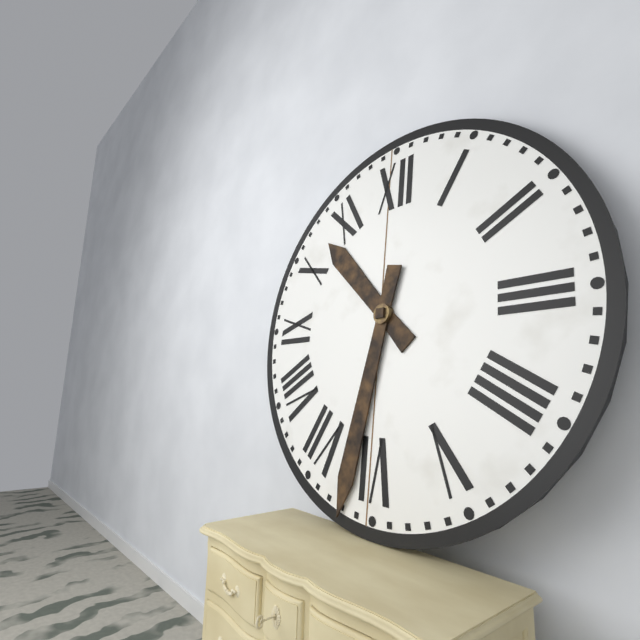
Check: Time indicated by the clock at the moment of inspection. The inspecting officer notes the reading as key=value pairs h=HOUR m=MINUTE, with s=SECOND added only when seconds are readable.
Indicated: h=10 m=32
